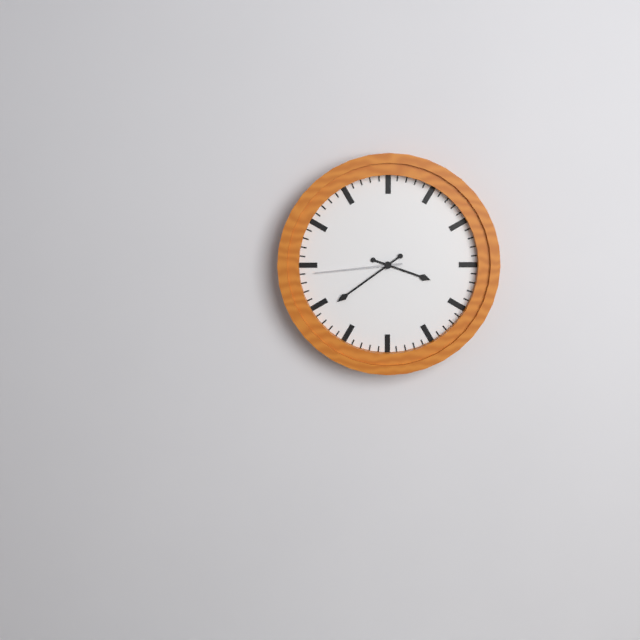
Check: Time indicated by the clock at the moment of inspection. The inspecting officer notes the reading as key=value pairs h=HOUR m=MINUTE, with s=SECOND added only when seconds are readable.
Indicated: h=3 m=39 s=44
